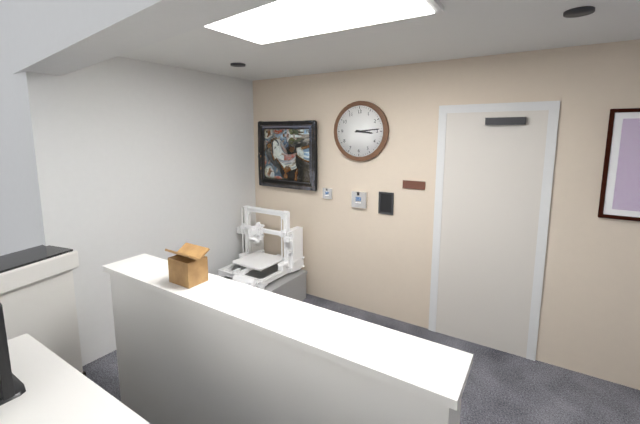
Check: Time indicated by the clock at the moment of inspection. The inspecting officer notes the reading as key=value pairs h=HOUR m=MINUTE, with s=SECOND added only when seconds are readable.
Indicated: h=3 m=14
